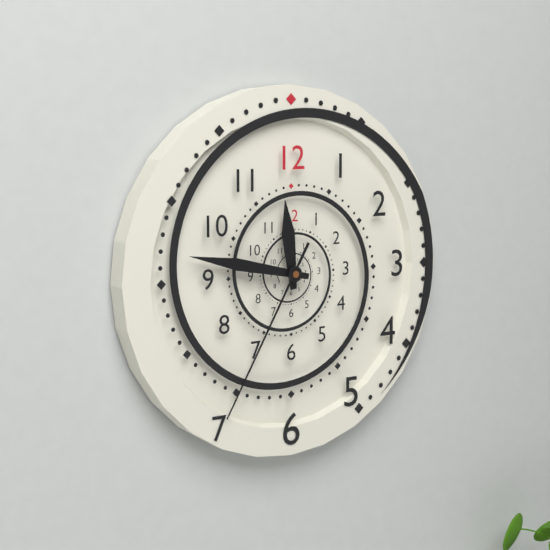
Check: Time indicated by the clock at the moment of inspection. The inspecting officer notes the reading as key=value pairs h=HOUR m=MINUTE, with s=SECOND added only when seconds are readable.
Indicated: h=11 m=47 s=35
